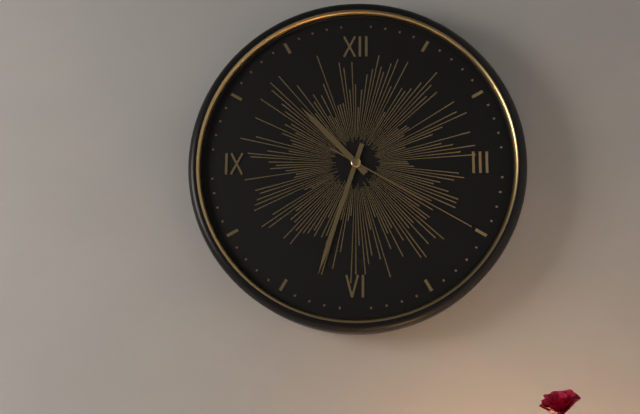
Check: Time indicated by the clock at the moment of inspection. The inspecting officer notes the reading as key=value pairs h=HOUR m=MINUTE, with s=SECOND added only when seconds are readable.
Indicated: h=10 m=33 s=20
